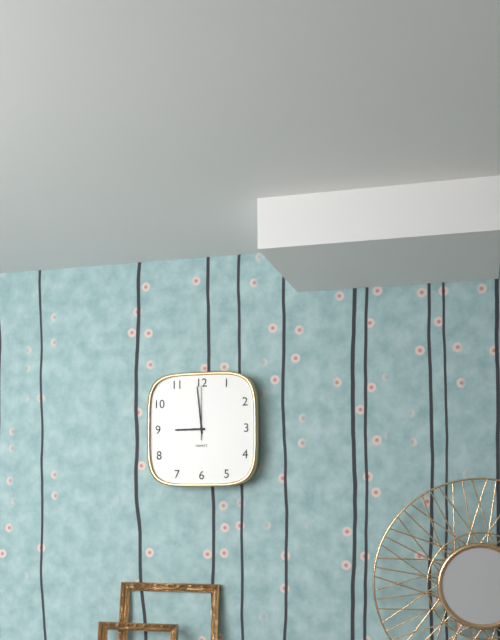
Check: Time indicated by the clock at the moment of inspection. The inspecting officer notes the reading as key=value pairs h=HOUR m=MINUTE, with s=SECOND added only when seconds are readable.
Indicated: h=8 m=59 s=0
